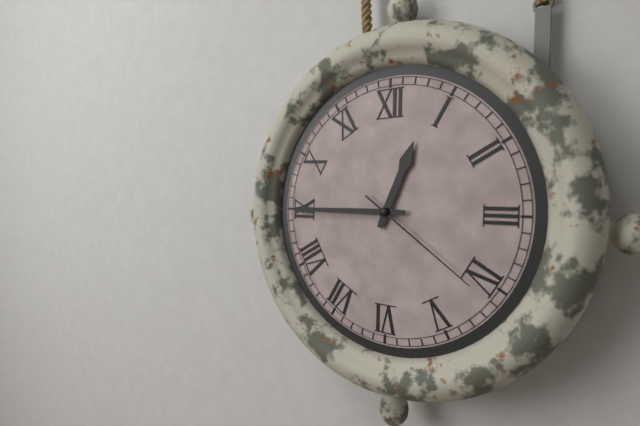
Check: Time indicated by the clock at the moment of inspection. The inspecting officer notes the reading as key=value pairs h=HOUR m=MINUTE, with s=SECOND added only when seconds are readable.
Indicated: h=12 m=45 s=21
